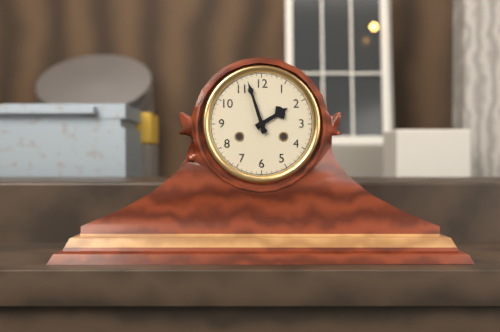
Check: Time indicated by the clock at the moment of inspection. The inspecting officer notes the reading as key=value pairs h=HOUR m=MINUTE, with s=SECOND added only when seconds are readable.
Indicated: h=1 m=57
